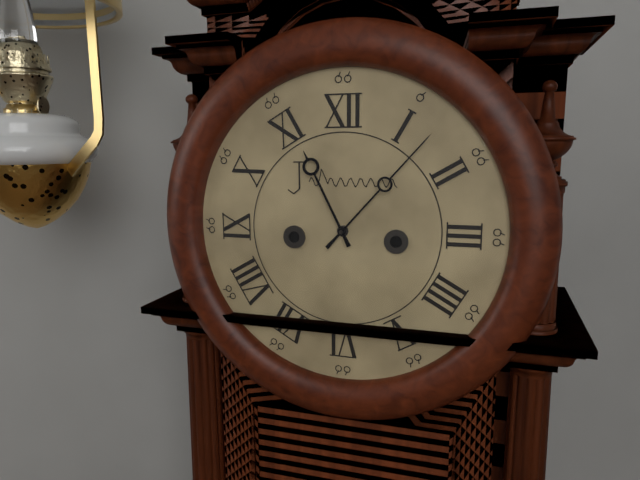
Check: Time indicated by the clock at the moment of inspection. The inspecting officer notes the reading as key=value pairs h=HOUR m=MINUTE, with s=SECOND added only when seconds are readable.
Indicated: h=11 m=7
